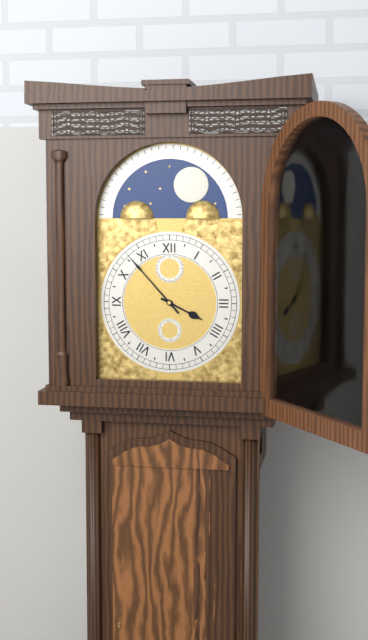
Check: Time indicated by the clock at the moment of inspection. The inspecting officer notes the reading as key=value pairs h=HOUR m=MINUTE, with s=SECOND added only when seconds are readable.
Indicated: h=3 m=53
